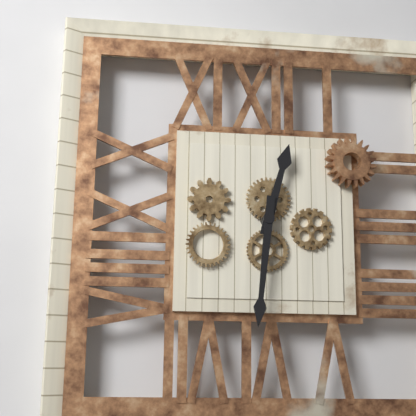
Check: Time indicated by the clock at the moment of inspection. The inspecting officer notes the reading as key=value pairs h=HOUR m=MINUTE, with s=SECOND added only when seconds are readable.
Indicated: h=12 m=31
